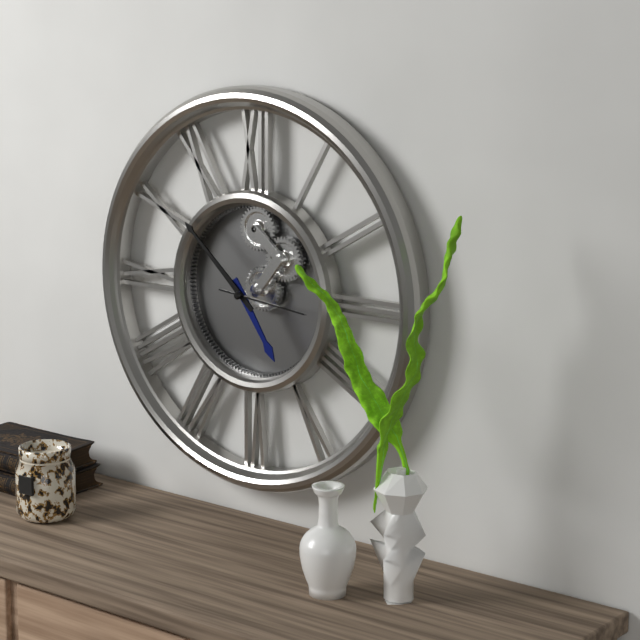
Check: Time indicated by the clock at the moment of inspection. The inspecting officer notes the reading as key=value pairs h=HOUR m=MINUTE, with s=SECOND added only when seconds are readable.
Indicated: h=4 m=52 s=16
